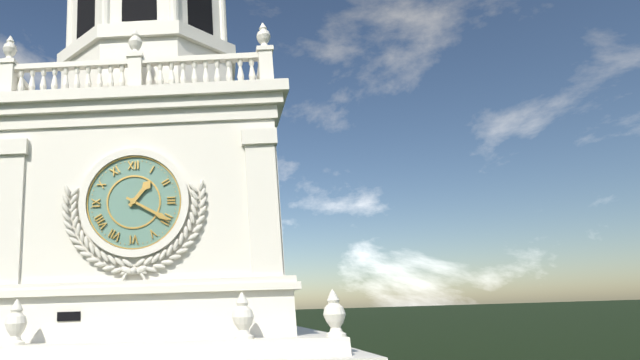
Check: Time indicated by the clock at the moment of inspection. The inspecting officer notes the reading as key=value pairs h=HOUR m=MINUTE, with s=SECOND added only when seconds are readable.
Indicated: h=1 m=20
